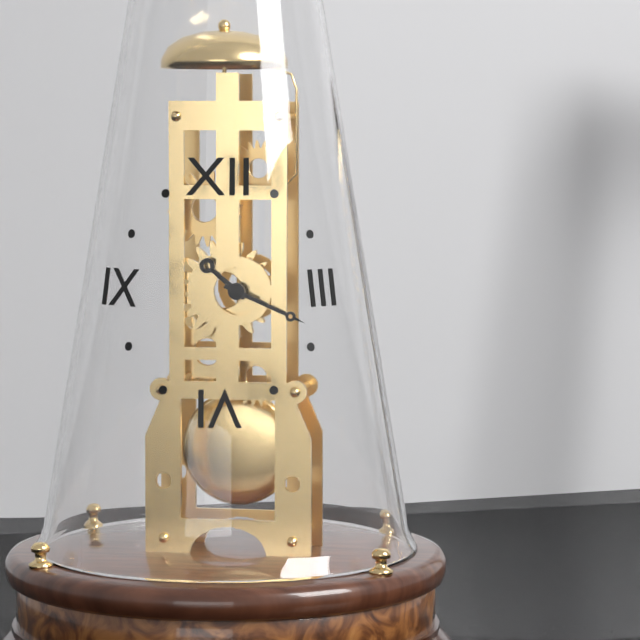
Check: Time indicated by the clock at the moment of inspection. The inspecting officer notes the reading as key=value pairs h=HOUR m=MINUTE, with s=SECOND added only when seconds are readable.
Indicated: h=10 m=19
